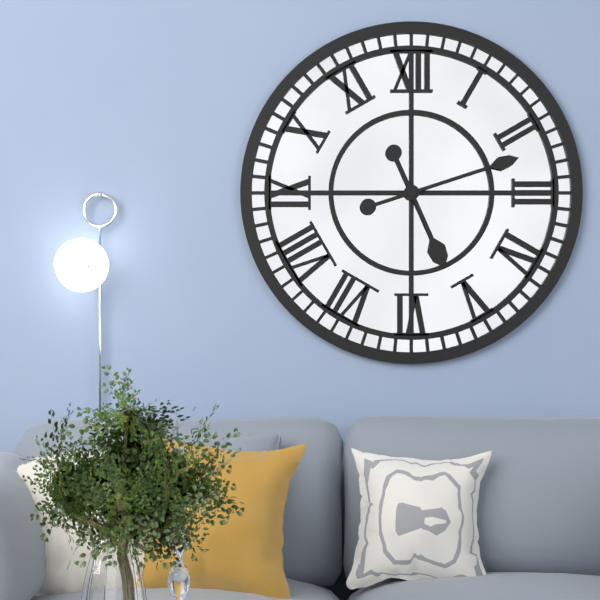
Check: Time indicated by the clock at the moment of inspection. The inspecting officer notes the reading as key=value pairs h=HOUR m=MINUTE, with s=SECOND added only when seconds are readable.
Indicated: h=5 m=12
